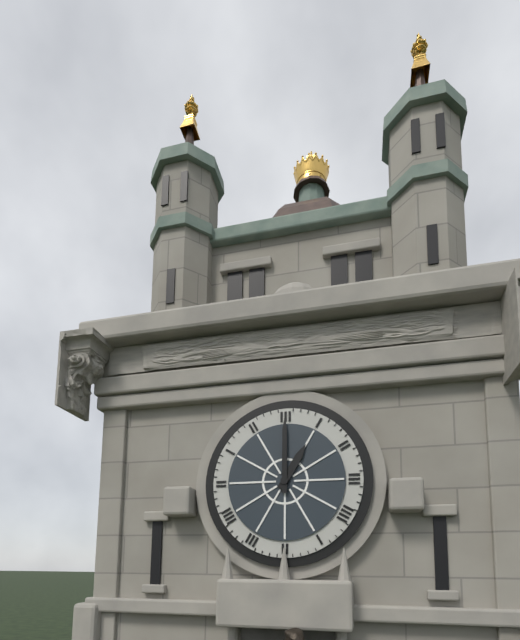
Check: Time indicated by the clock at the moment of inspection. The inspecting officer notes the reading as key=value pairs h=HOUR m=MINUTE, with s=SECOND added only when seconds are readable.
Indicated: h=1 m=0
